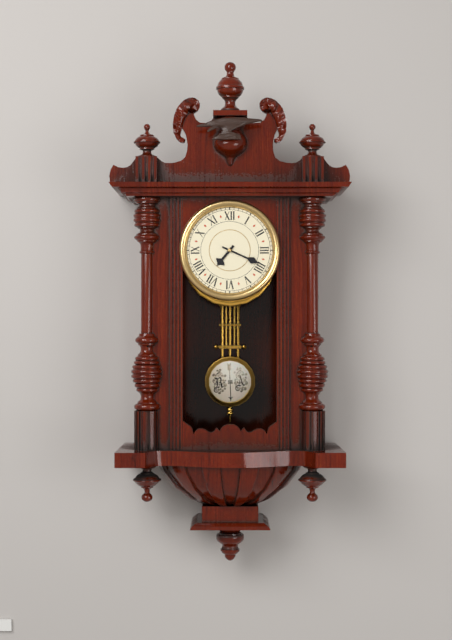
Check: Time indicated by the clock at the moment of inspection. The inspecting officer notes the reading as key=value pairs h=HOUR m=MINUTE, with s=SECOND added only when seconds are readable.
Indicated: h=7 m=19
